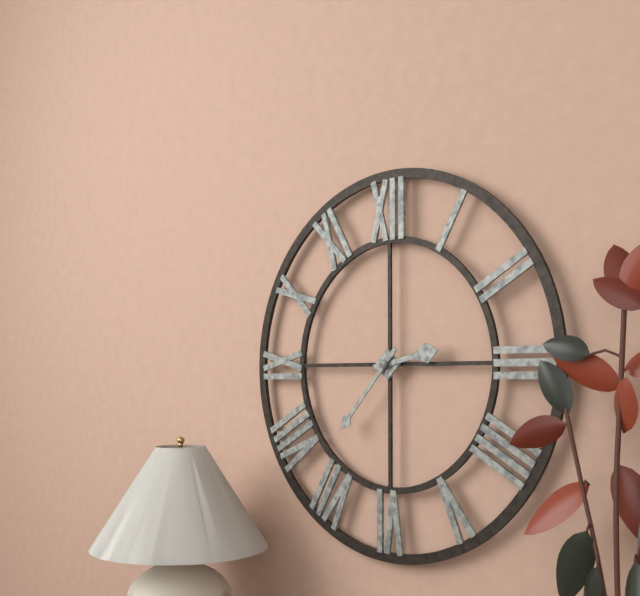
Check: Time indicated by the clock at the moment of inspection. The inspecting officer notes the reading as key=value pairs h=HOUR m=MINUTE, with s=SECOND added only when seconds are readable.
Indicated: h=2 m=37
